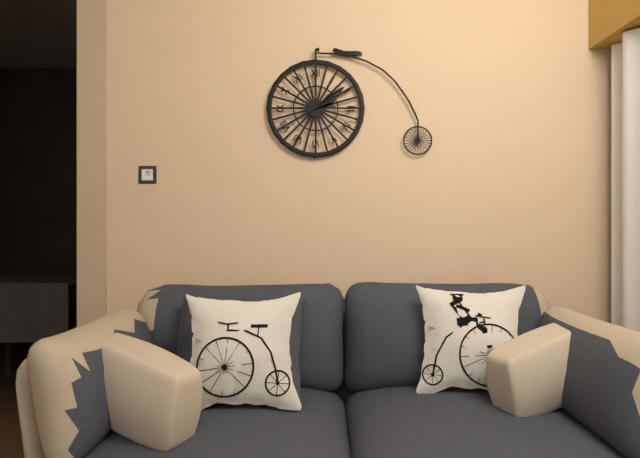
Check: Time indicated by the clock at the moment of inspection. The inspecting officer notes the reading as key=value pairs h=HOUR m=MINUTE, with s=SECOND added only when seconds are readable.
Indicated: h=2 m=9
